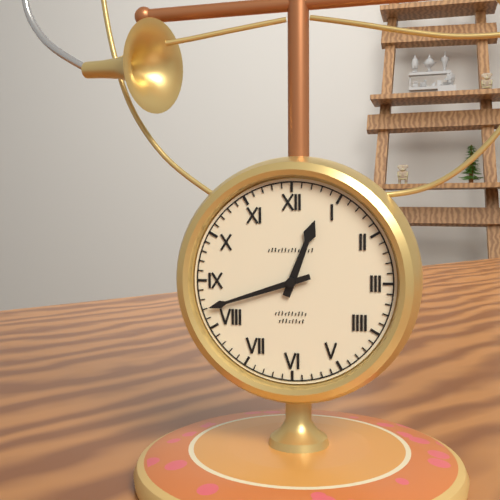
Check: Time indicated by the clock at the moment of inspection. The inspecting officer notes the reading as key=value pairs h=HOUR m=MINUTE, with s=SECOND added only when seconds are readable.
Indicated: h=12 m=42
